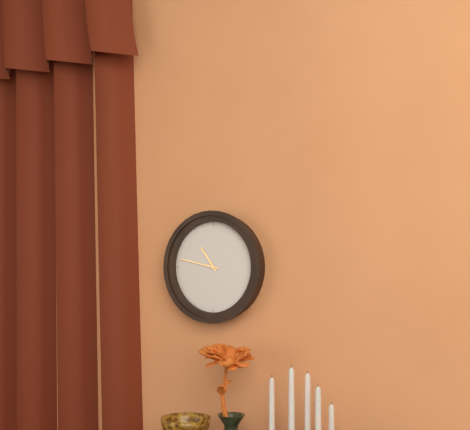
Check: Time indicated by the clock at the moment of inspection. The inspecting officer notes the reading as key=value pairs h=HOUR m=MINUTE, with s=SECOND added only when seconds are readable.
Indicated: h=10 m=47
